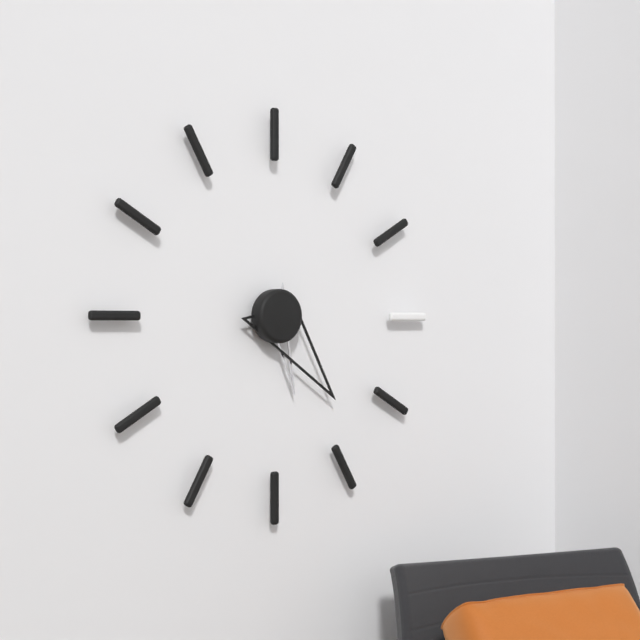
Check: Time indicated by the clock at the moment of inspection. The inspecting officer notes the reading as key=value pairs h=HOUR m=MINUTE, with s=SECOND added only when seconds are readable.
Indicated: h=5 m=23
